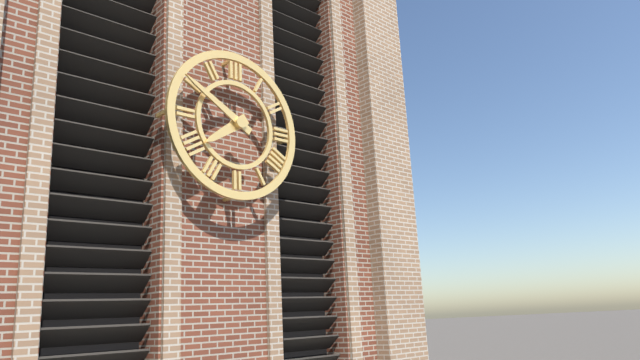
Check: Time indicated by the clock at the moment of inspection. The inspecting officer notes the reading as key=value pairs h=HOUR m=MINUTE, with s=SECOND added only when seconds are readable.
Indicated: h=7 m=50
